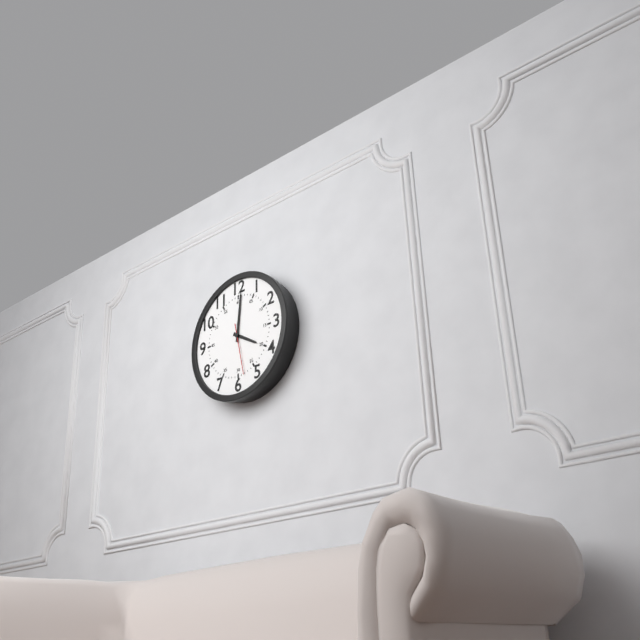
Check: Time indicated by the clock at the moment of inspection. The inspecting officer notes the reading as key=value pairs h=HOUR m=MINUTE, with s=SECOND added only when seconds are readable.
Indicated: h=4 m=1 s=28
